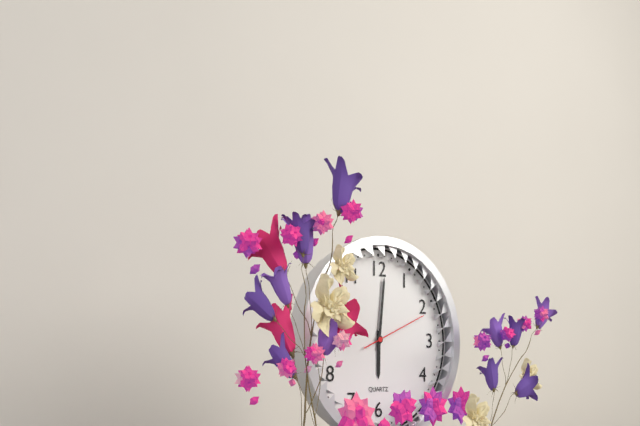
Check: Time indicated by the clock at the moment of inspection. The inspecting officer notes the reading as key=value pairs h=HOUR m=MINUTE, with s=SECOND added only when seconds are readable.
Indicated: h=6 m=1 s=11
